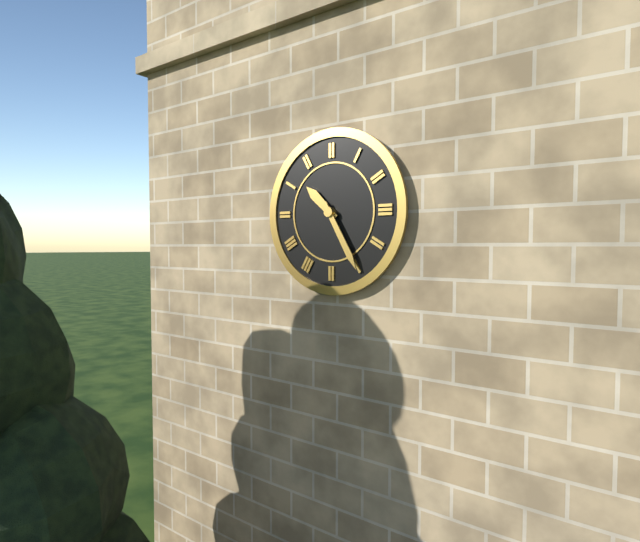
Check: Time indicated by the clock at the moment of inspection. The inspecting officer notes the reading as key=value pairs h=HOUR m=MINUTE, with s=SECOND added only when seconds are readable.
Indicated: h=10 m=25
